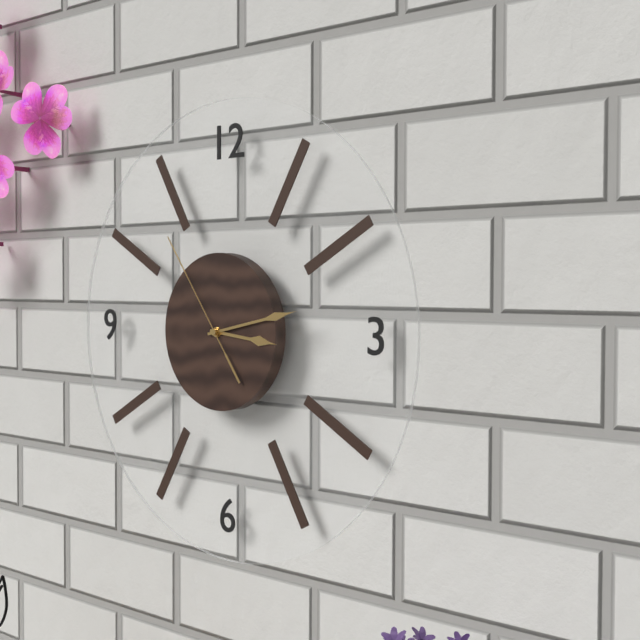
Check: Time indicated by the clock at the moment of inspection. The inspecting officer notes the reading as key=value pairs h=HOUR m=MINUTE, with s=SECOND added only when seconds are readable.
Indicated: h=3 m=13 s=54
